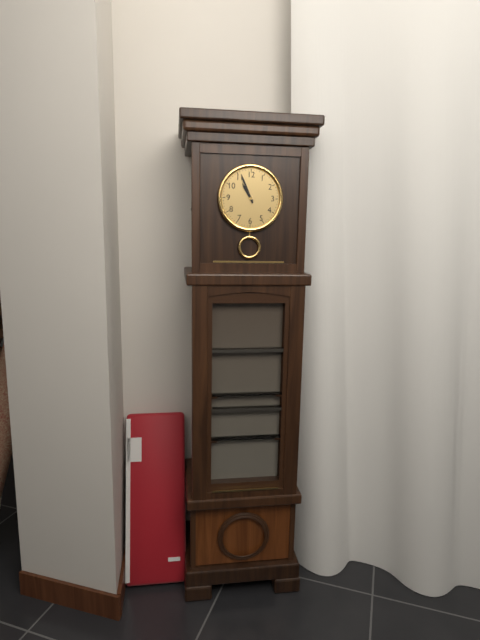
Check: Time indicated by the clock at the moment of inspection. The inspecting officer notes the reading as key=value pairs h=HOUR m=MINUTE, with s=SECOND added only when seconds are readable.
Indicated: h=10 m=56
